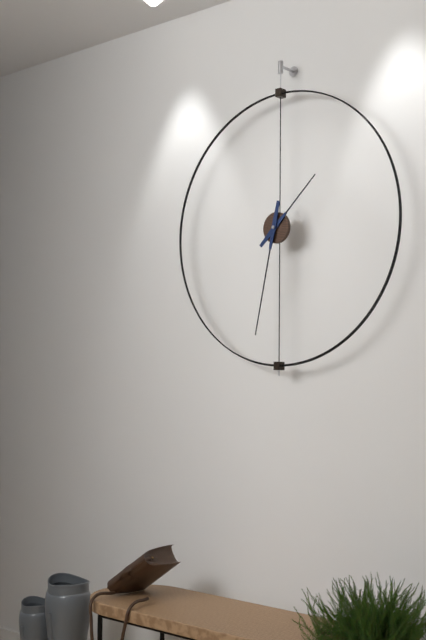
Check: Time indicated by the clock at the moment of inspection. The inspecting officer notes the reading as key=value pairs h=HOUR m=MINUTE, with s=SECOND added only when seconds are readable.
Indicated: h=1 m=32
